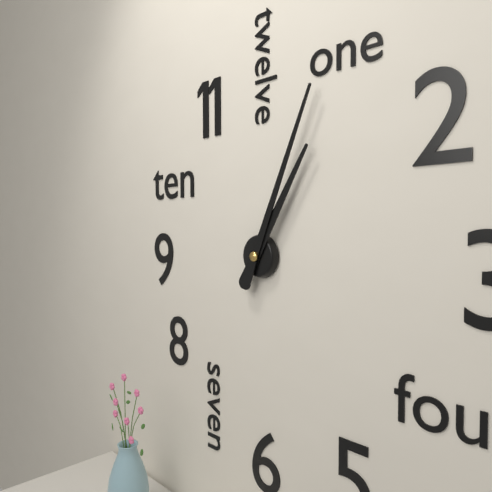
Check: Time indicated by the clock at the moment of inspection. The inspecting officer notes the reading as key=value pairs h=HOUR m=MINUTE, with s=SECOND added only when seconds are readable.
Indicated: h=1 m=4
